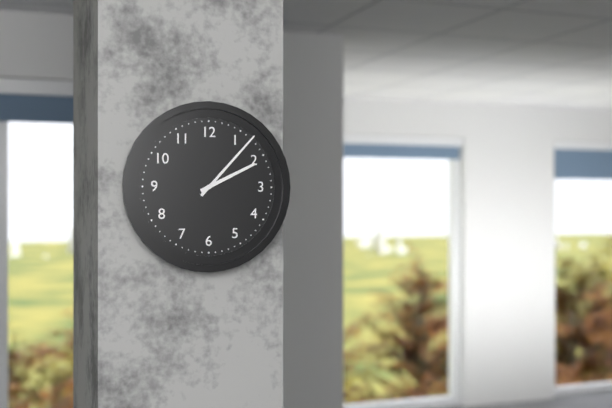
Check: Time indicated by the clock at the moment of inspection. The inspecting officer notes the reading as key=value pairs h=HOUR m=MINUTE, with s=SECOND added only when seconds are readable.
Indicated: h=2 m=7
